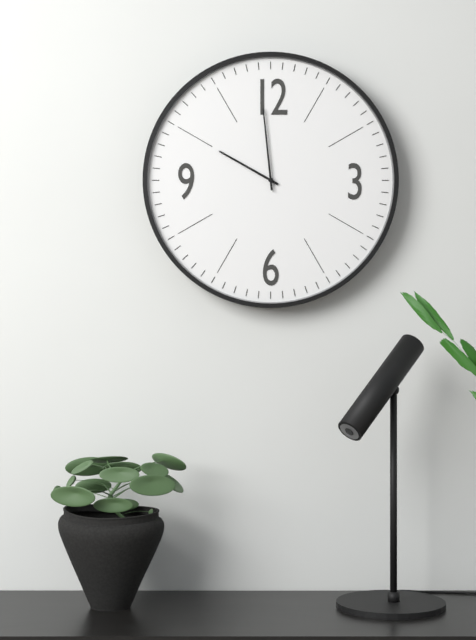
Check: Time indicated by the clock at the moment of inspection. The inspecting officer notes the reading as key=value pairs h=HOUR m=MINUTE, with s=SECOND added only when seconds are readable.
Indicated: h=9 m=59
